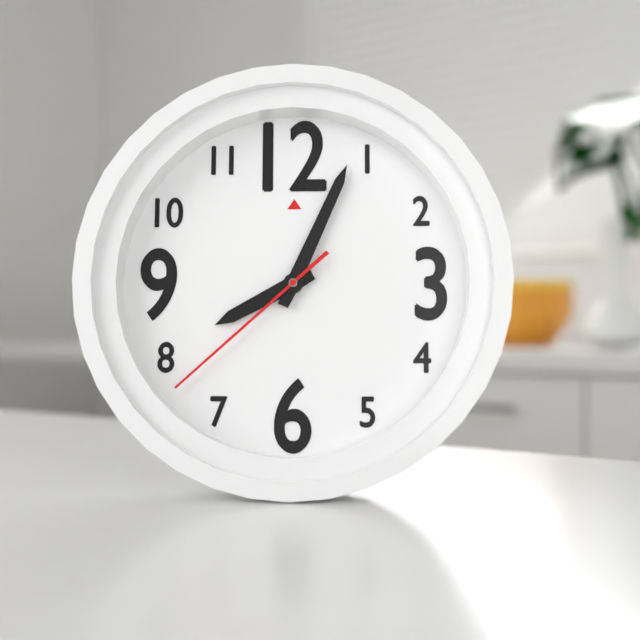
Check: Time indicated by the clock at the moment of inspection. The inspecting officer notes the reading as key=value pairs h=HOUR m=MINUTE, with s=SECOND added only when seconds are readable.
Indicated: h=8 m=4 s=38
